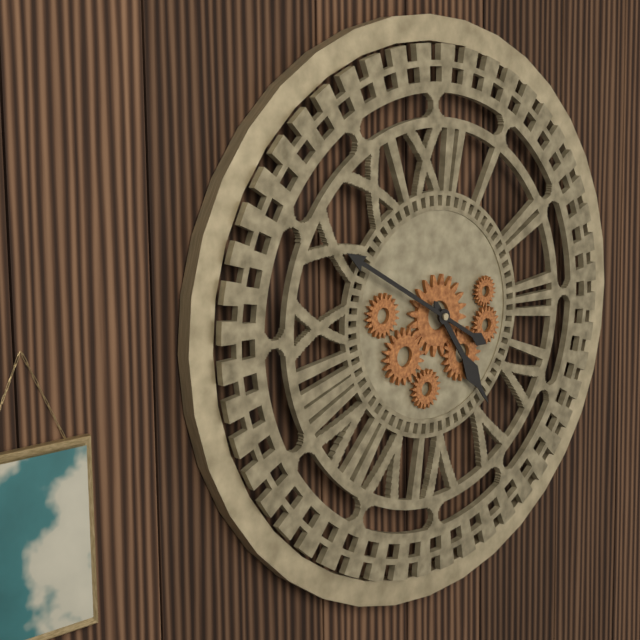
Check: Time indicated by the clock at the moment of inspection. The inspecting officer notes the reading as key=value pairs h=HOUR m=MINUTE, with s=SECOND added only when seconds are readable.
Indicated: h=4 m=50
